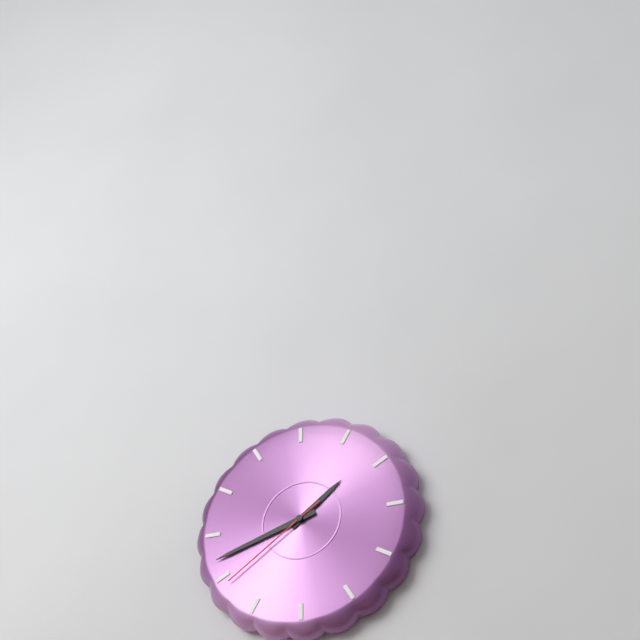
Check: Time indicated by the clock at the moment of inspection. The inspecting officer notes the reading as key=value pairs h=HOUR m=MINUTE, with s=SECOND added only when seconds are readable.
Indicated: h=1 m=42 s=39
